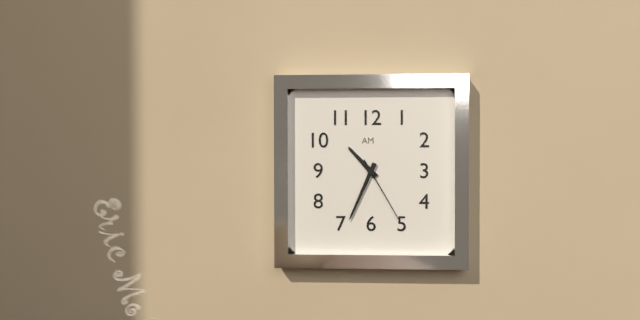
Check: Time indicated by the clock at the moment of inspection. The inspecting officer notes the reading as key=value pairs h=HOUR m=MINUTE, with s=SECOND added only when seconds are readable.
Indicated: h=10 m=34 s=25
